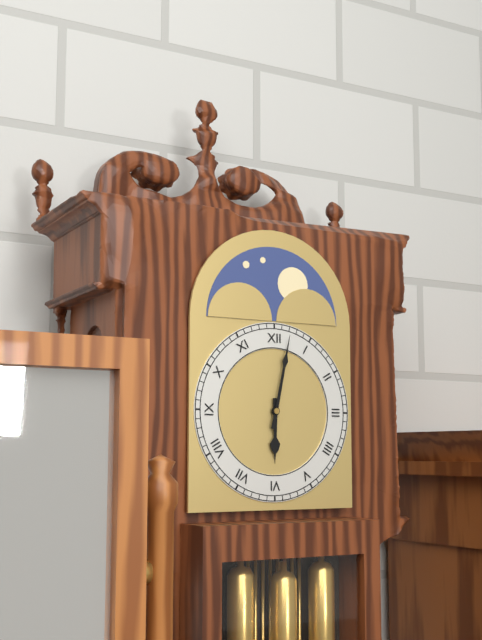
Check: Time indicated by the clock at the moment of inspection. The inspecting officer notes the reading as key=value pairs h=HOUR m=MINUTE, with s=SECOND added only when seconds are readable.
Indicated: h=6 m=2
